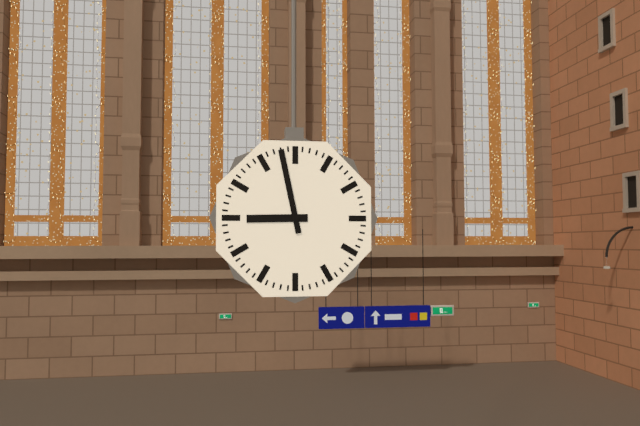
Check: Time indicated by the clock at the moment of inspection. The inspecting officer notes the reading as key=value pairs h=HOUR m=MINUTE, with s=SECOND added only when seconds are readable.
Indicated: h=8 m=58
